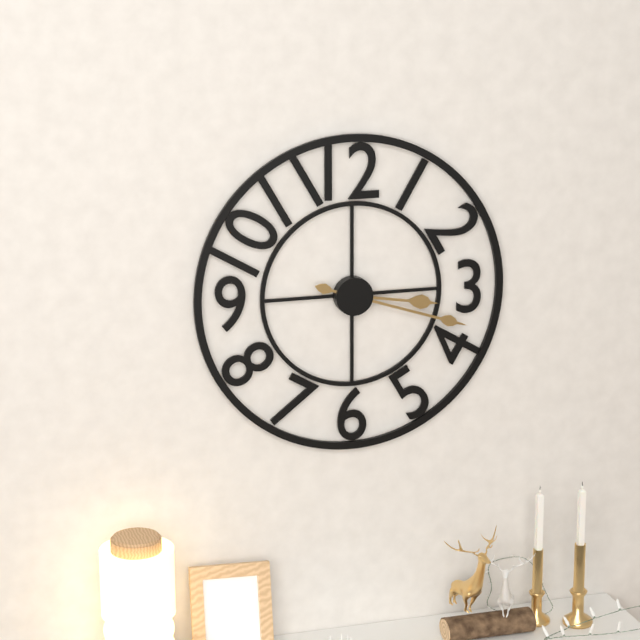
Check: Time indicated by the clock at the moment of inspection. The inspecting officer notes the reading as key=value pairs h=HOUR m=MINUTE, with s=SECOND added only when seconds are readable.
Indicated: h=3 m=18
